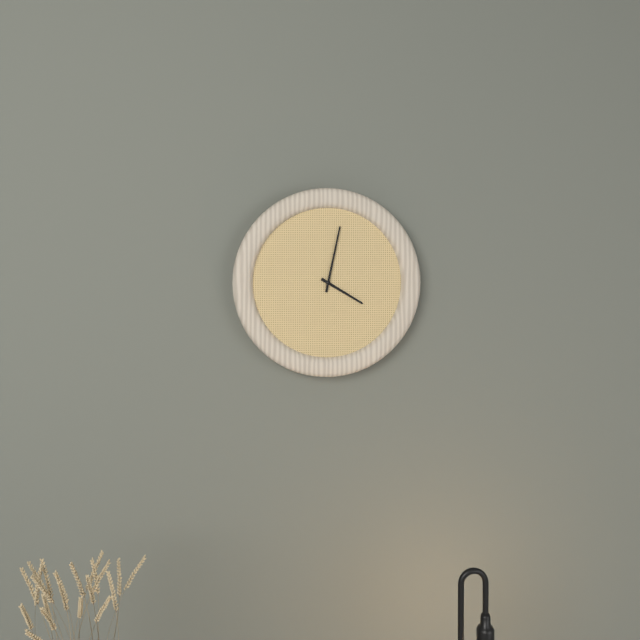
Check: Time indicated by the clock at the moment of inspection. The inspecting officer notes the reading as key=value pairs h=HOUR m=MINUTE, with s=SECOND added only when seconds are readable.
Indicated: h=4 m=2
